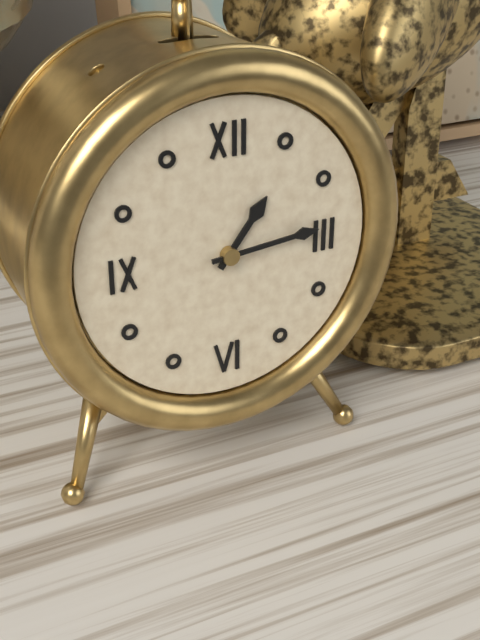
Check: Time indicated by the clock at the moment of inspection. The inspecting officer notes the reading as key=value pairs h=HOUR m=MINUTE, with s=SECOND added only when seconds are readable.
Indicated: h=1 m=14
